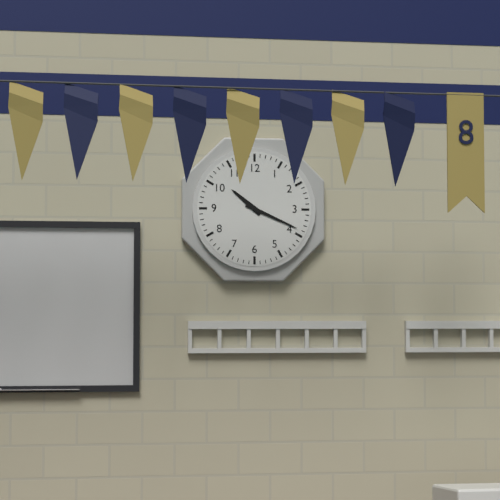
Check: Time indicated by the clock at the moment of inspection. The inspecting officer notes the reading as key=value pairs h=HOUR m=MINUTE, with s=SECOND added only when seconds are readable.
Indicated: h=10 m=19
